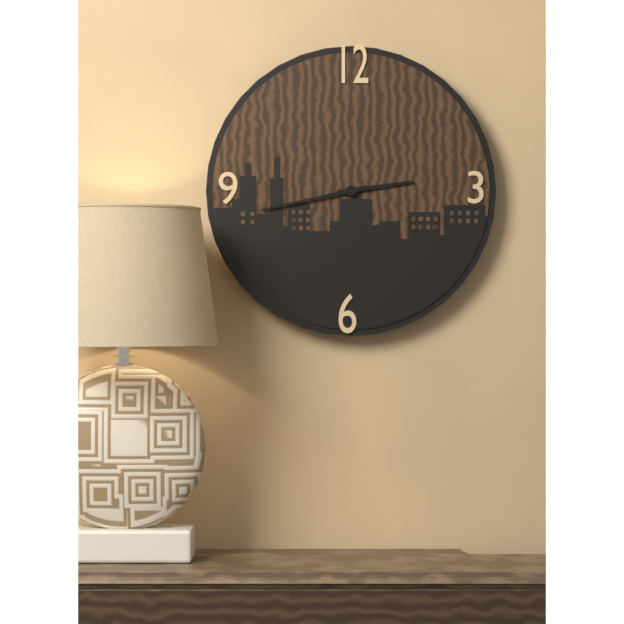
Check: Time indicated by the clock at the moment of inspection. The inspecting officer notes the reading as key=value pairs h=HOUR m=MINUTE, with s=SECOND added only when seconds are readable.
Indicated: h=2 m=43
